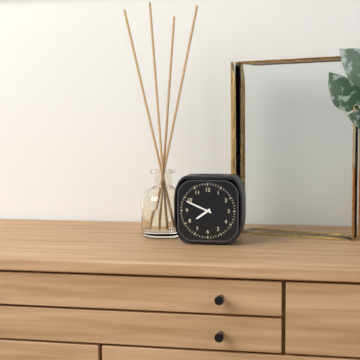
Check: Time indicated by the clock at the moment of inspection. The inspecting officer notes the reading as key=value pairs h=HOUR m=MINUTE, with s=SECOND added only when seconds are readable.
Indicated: h=7 m=49
